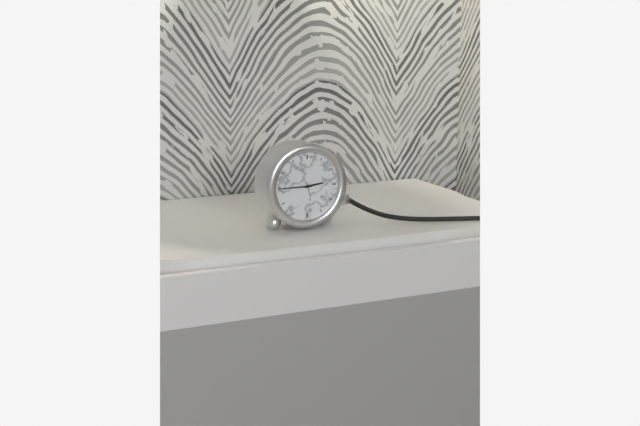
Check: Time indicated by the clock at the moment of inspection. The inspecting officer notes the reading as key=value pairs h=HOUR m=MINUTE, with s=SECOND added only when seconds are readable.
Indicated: h=2 m=45
